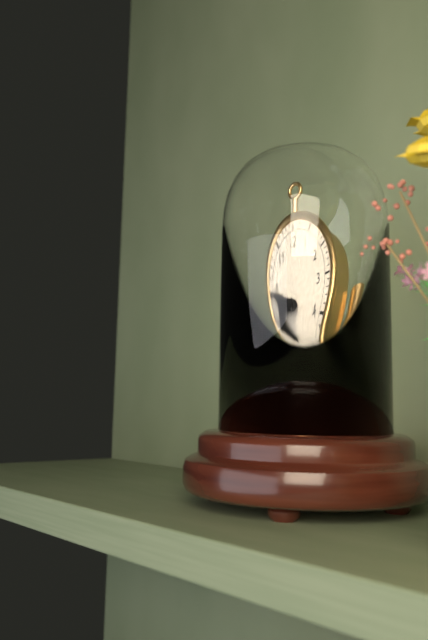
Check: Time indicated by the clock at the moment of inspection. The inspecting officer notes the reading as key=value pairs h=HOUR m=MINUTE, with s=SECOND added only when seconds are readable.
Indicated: h=9 m=50
